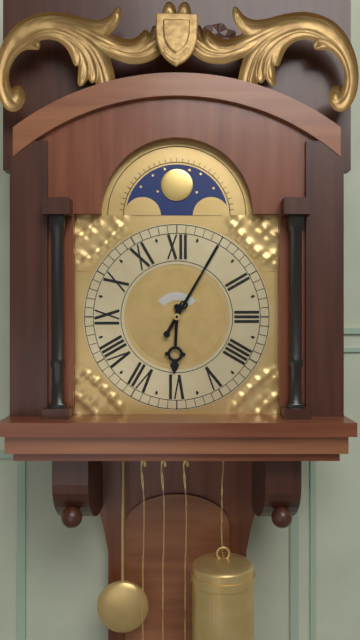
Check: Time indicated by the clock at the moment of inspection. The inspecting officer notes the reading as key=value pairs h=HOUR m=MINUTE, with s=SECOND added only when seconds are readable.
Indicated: h=6 m=5
